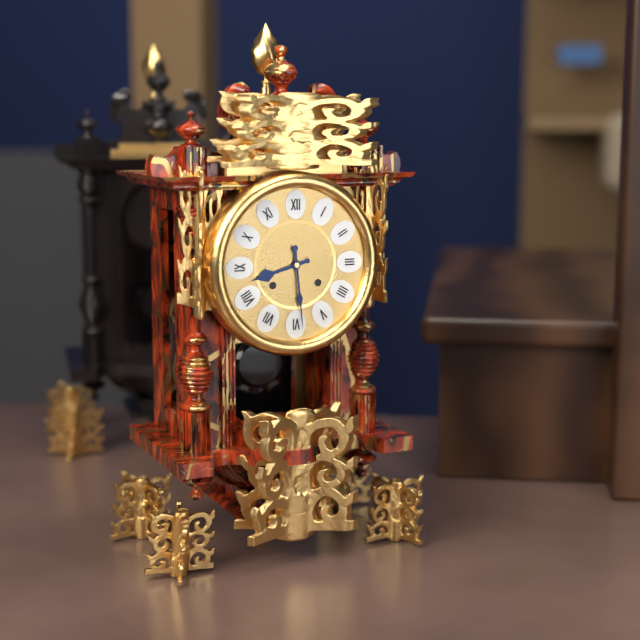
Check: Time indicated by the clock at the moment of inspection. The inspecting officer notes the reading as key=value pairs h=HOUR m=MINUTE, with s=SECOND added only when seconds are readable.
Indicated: h=8 m=29
